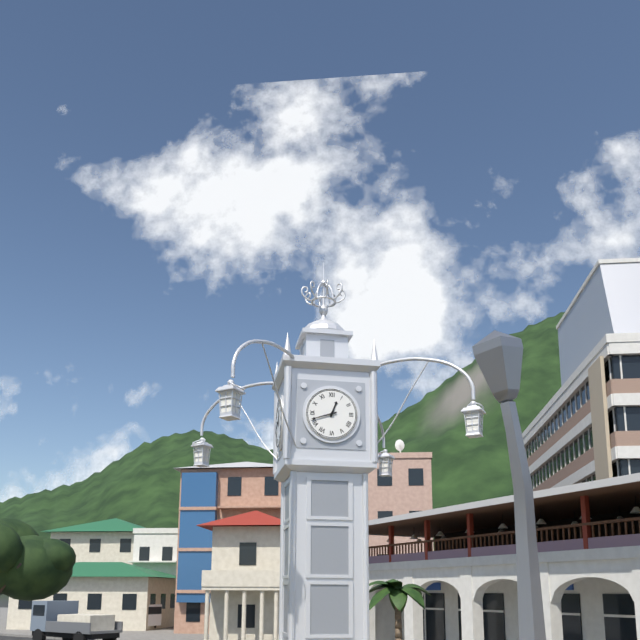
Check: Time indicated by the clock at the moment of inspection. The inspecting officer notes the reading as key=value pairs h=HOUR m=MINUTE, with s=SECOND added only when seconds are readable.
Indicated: h=12 m=42
